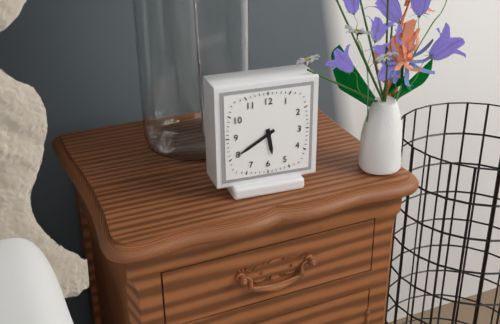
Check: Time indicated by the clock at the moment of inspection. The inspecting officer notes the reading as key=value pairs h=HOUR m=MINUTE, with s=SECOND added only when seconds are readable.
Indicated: h=5 m=40
